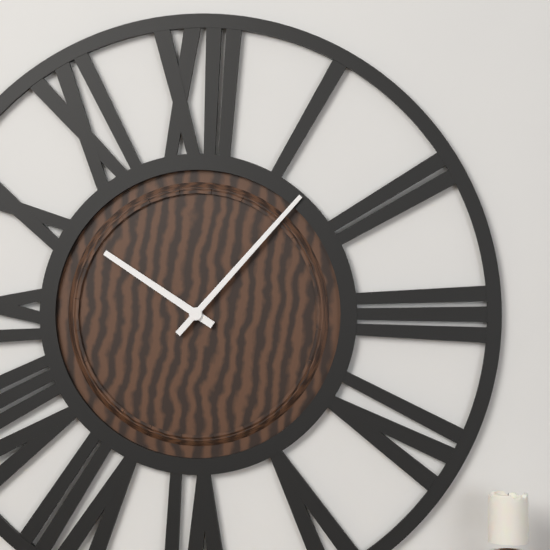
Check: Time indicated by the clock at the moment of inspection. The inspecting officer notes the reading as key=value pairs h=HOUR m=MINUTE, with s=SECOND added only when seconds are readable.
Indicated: h=10 m=7
